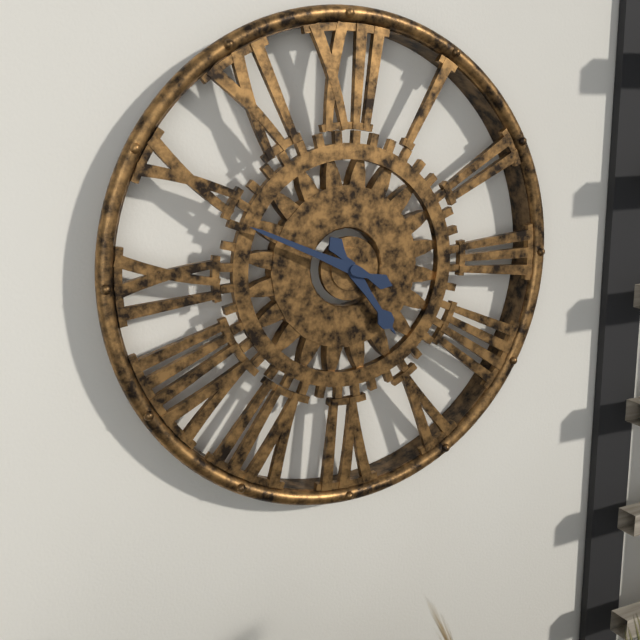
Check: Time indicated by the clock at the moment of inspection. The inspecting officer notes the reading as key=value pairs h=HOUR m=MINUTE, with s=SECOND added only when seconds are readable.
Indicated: h=4 m=49
